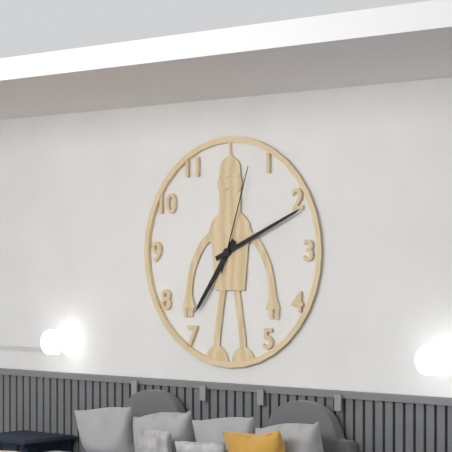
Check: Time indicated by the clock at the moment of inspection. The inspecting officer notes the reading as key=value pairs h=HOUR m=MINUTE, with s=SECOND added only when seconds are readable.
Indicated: h=7 m=11 s=3
